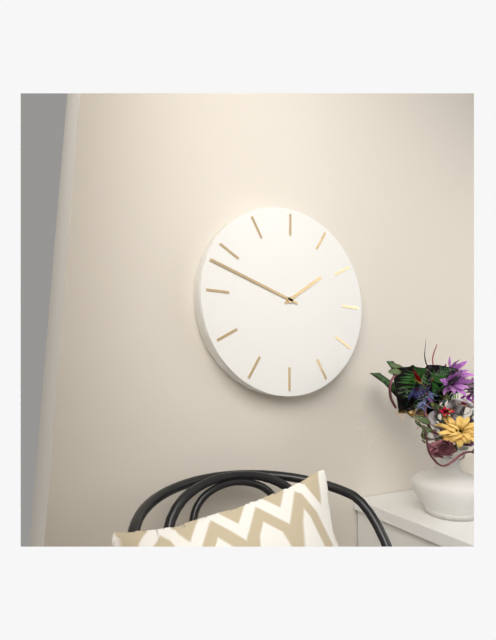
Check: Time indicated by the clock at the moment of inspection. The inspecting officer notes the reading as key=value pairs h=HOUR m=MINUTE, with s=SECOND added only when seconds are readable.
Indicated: h=1 m=48
